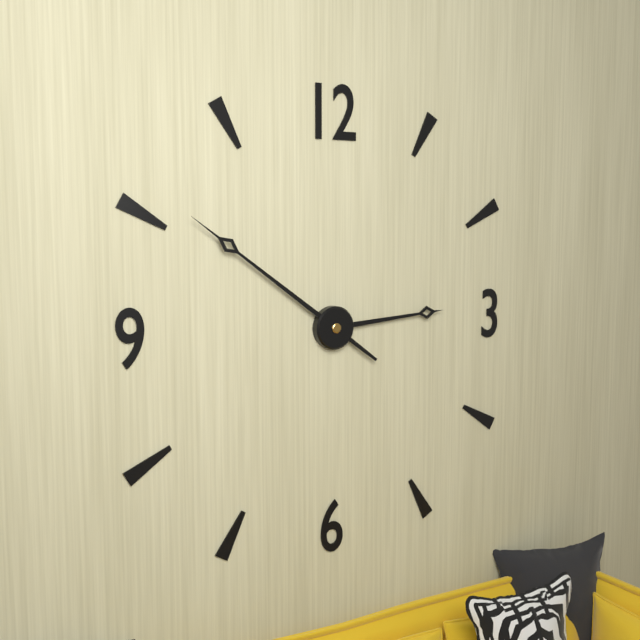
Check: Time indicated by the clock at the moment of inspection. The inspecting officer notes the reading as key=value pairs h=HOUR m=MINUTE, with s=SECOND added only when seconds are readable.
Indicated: h=2 m=51
